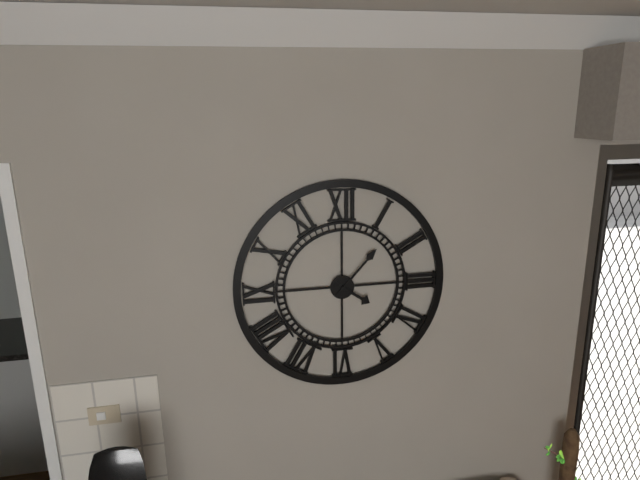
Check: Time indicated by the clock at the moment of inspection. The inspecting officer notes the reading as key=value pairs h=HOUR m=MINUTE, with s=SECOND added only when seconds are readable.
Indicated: h=4 m=7
